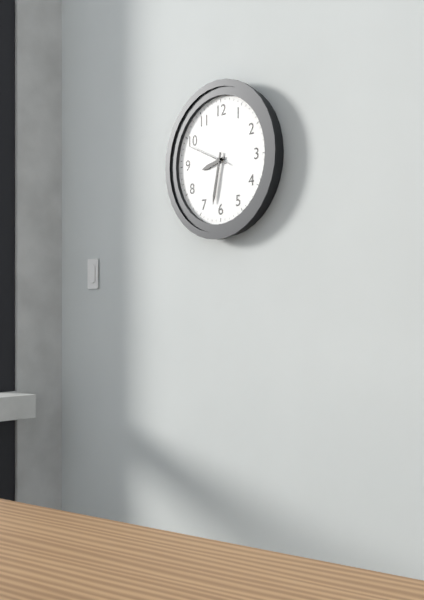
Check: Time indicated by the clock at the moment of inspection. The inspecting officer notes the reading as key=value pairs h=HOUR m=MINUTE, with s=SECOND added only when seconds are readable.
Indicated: h=8 m=32
